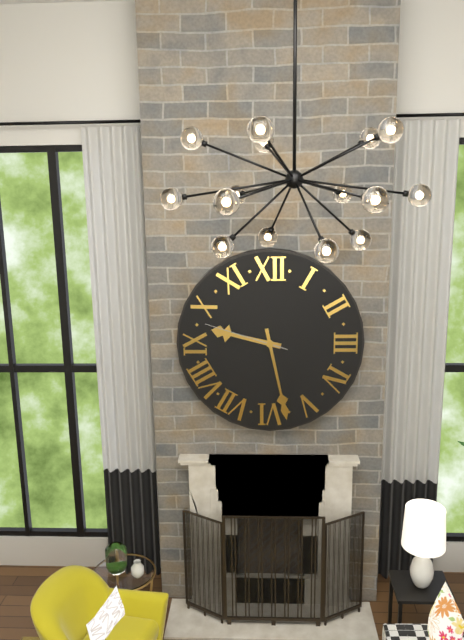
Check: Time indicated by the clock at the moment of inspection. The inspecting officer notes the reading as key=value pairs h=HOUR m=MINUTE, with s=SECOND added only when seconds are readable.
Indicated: h=9 m=28 s=48
